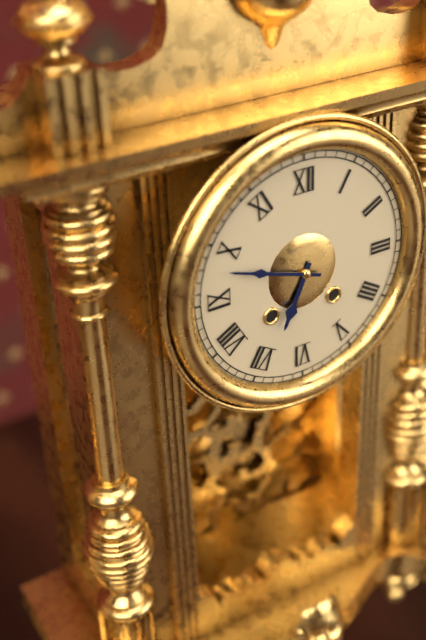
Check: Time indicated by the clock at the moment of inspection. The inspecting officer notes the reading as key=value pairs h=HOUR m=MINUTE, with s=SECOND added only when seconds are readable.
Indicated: h=6 m=48
